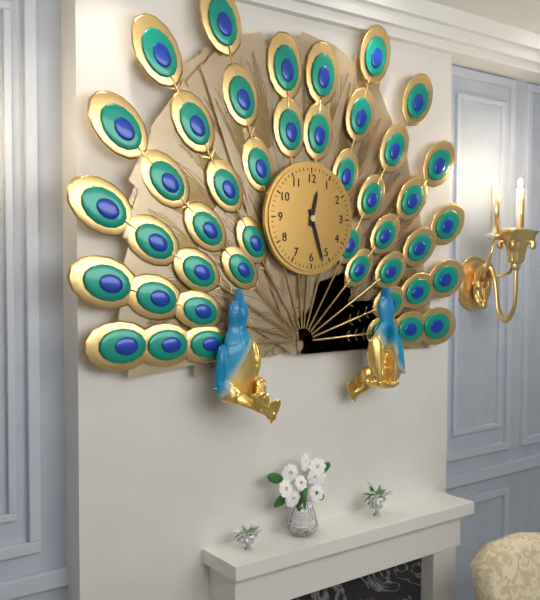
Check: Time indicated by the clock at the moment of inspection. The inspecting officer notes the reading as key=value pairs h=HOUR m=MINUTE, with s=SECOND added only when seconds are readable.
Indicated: h=12 m=27
